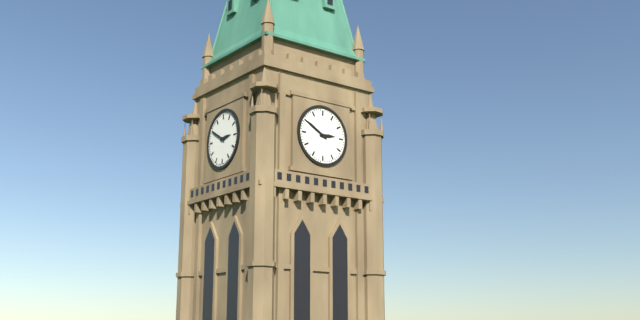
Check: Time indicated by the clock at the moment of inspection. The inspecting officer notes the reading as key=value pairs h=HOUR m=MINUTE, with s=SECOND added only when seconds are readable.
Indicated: h=2 m=50
